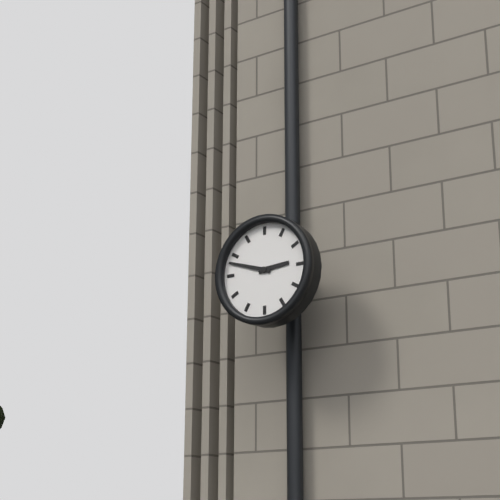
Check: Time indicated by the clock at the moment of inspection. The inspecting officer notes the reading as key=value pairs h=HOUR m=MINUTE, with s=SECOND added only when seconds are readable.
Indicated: h=2 m=48
